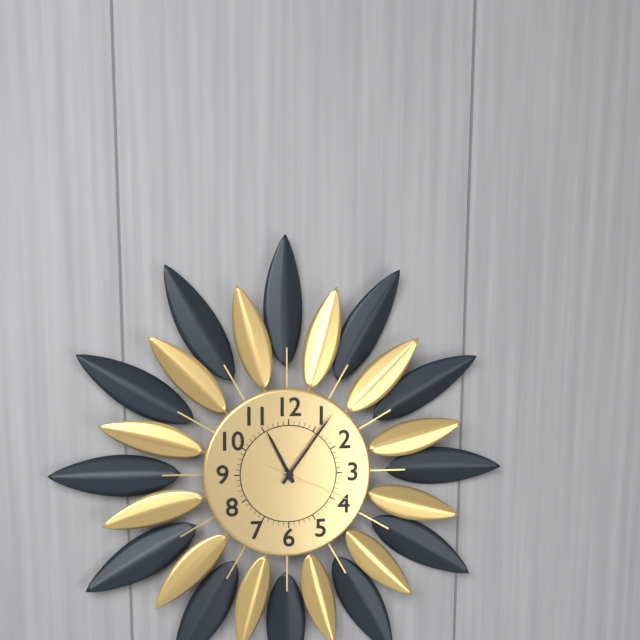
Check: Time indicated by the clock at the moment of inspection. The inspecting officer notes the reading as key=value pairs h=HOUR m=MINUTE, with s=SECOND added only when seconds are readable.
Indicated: h=11 m=6 s=19
